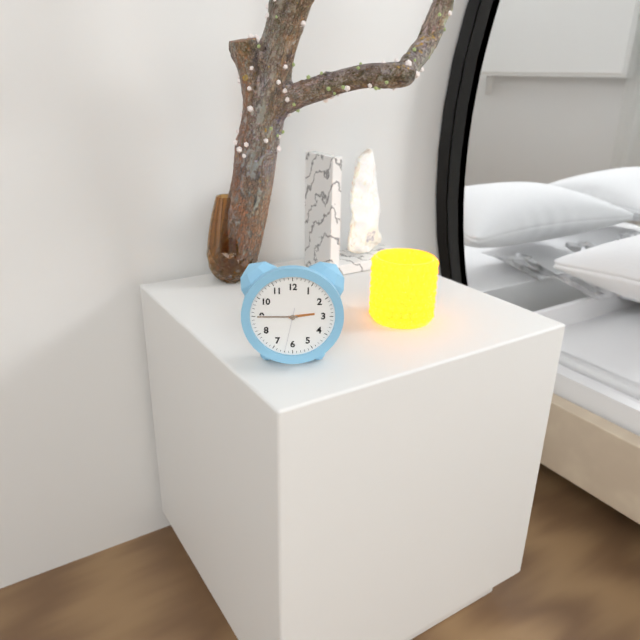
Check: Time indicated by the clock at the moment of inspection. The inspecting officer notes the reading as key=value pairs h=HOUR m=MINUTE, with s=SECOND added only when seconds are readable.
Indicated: h=2 m=45
